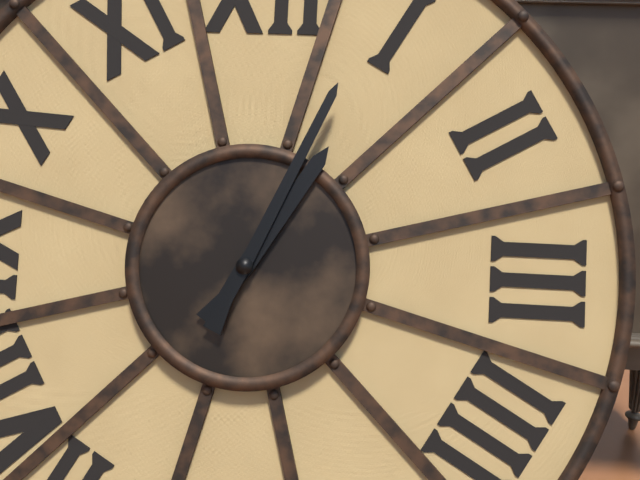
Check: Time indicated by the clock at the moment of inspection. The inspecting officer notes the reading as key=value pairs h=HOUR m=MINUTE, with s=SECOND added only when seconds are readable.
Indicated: h=1 m=4
